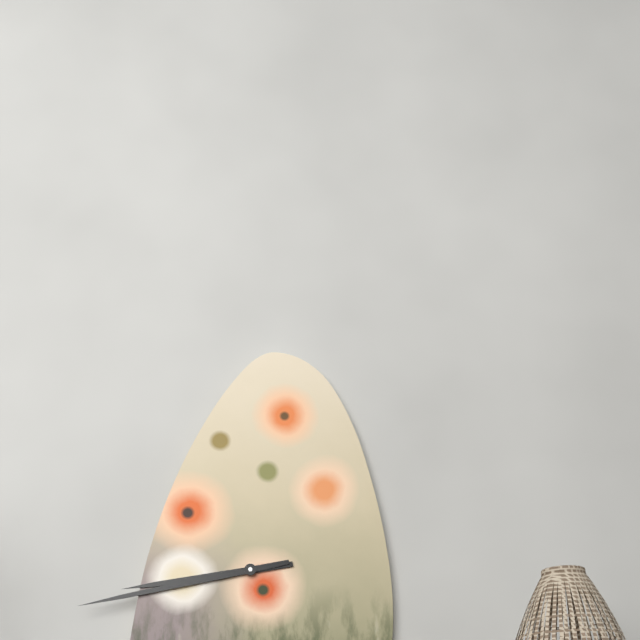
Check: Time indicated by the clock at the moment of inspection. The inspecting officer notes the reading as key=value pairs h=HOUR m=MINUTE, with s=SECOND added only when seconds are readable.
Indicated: h=8 m=43
